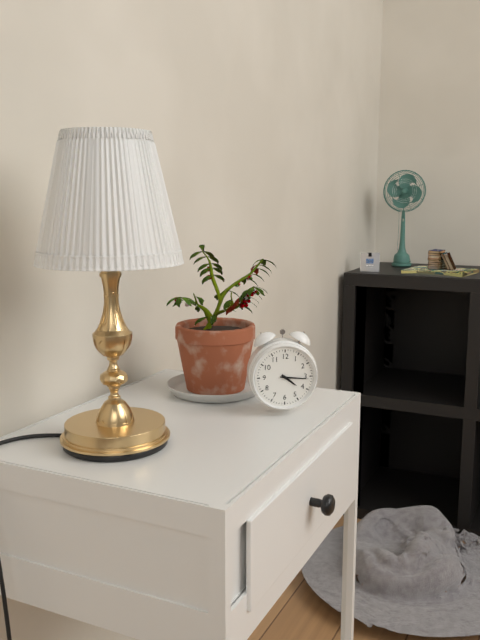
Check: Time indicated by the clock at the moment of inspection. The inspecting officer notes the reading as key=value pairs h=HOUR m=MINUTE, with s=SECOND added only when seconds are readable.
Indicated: h=4 m=16
